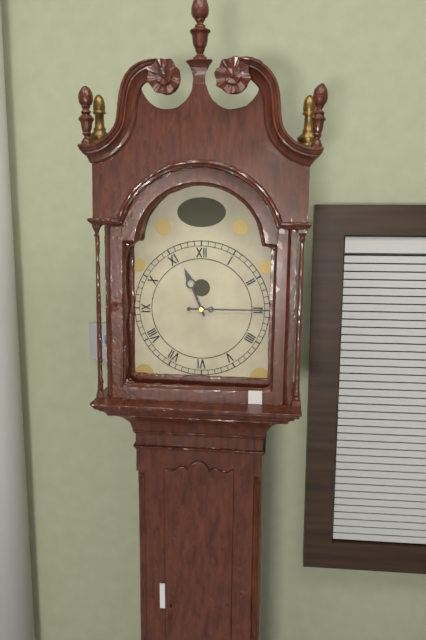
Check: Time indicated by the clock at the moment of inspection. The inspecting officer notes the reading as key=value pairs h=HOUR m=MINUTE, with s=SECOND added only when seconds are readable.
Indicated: h=11 m=15
